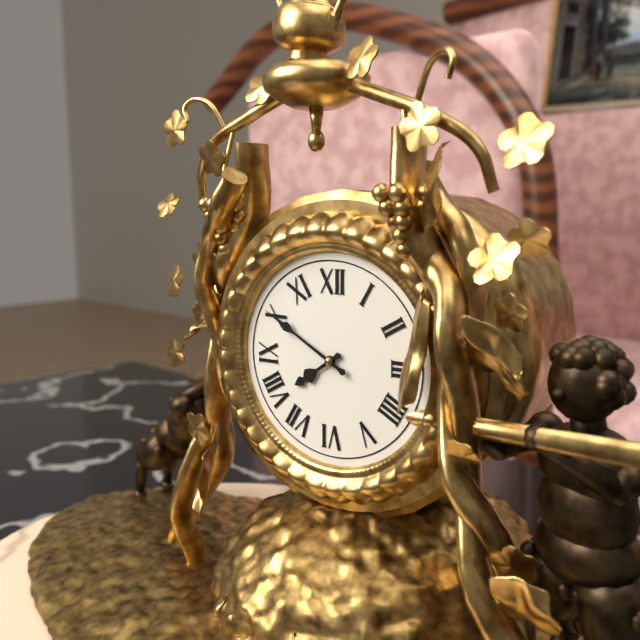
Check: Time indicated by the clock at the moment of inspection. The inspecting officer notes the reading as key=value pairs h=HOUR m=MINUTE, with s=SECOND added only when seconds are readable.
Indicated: h=7 m=50
